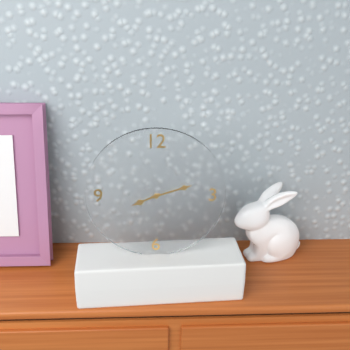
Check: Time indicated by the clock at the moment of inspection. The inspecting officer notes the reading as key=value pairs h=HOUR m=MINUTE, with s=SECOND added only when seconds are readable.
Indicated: h=8 m=12
